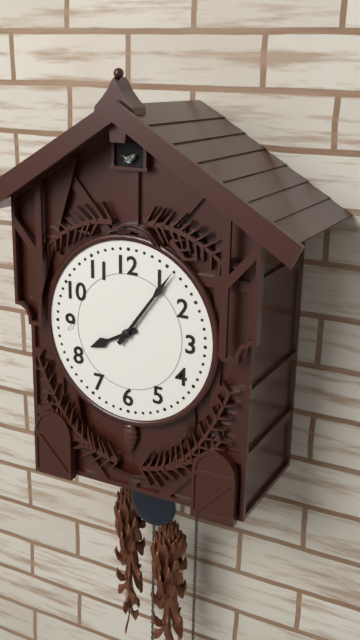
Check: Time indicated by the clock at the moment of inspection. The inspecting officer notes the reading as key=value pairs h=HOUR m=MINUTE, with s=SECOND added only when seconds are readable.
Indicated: h=8 m=6
